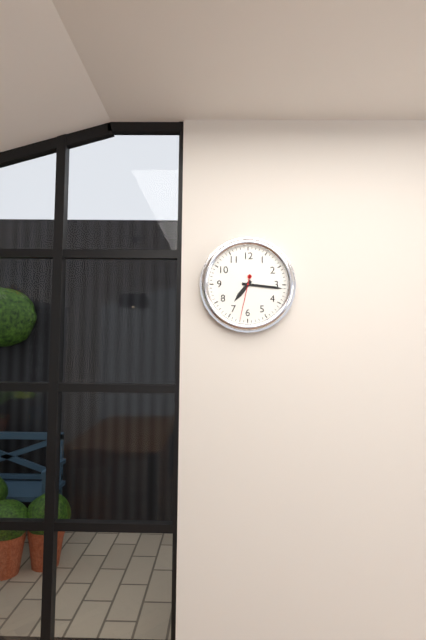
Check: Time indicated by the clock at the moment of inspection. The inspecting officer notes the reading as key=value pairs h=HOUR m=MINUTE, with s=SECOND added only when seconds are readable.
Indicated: h=7 m=16
